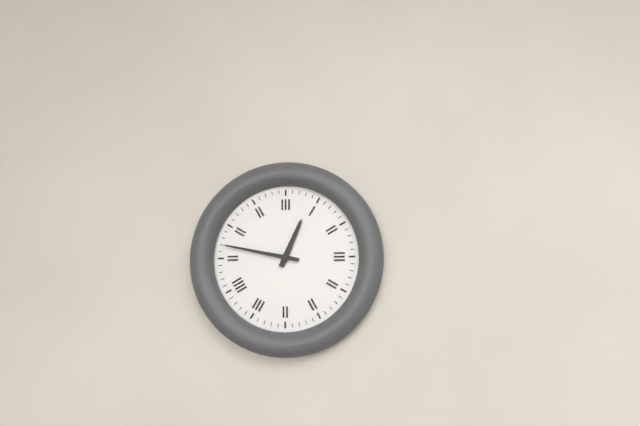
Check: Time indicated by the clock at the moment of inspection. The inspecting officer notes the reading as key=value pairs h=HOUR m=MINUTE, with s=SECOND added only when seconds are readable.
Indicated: h=12 m=47
